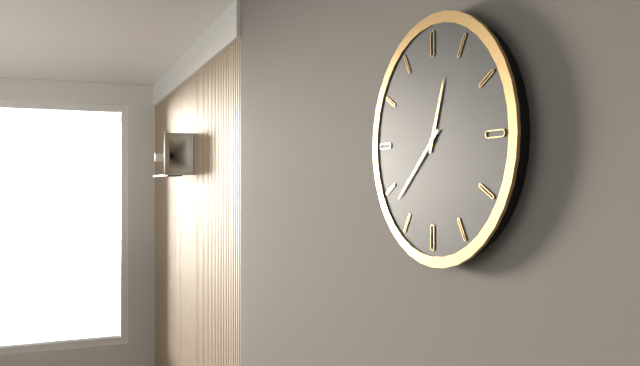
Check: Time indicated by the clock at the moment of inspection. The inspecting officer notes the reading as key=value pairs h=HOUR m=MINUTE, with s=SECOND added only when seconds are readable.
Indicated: h=12 m=38
